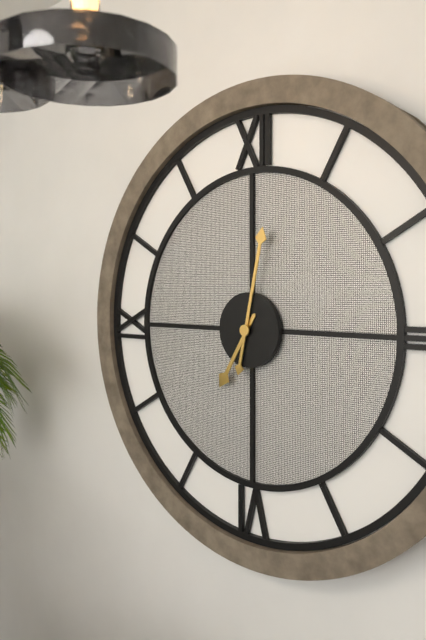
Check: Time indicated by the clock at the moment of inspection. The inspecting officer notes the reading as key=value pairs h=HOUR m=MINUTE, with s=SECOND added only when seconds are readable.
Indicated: h=7 m=2
